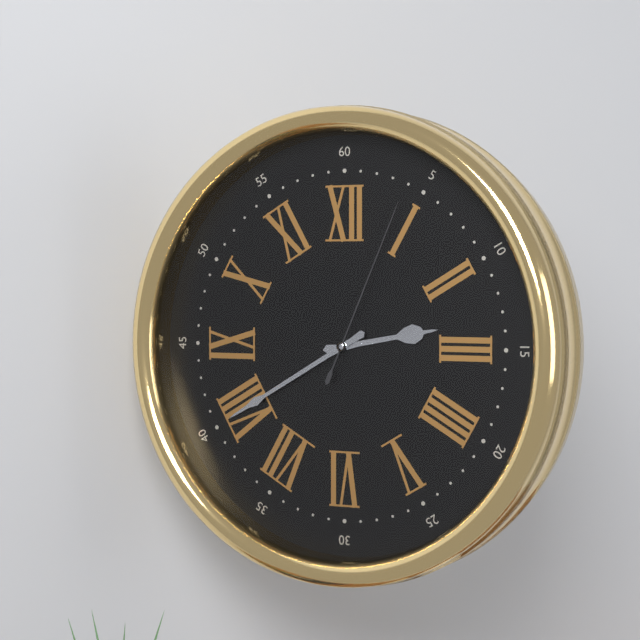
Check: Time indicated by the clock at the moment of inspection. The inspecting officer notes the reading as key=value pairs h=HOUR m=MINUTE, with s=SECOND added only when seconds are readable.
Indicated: h=2 m=40 s=4
